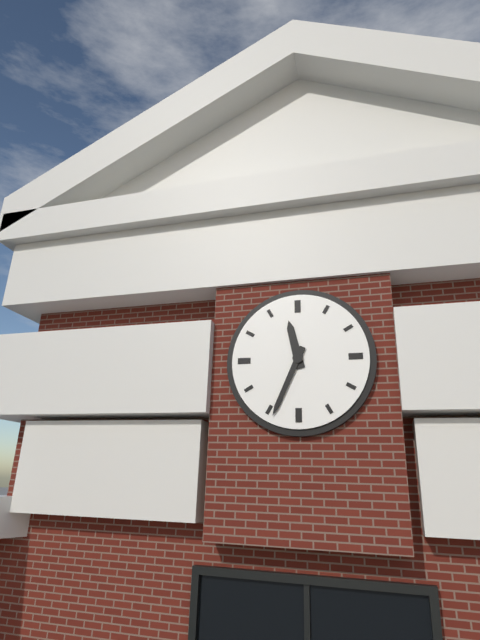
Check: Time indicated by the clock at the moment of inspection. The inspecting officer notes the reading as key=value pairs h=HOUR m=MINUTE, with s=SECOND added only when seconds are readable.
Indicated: h=11 m=34
